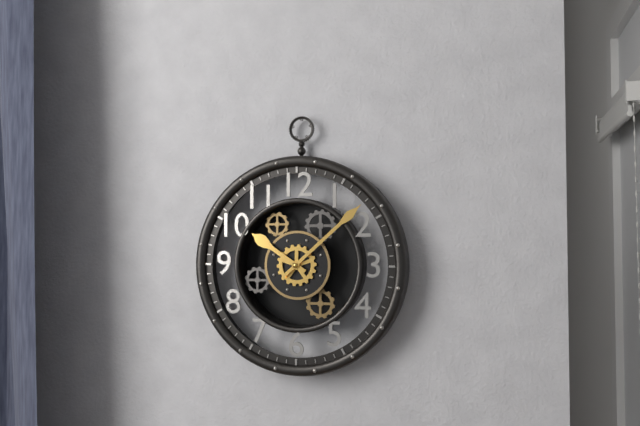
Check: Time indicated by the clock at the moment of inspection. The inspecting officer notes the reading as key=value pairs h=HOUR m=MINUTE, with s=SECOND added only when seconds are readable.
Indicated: h=10 m=8
